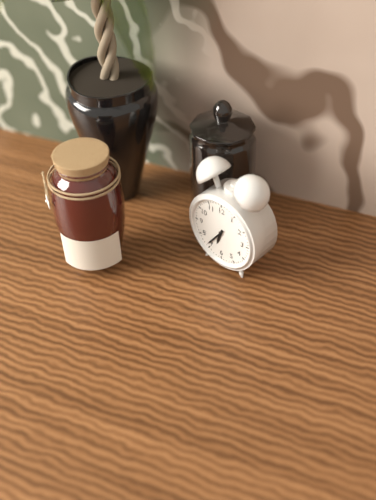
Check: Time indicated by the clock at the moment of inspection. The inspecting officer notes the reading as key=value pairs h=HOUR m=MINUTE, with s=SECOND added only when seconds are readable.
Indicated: h=6 m=36
